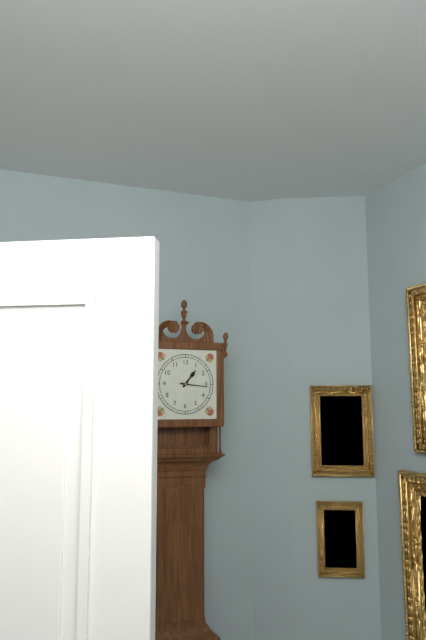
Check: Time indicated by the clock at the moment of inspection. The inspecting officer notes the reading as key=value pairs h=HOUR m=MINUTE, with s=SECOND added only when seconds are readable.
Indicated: h=1 m=16
